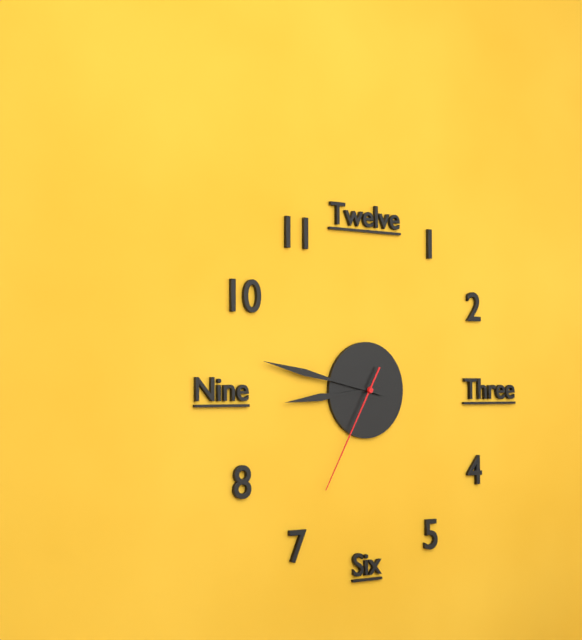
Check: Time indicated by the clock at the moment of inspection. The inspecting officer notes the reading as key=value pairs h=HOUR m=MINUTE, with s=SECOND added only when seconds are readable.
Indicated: h=8 m=47 s=35
